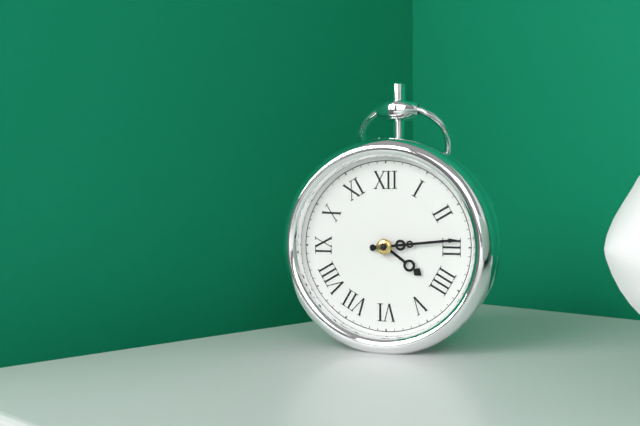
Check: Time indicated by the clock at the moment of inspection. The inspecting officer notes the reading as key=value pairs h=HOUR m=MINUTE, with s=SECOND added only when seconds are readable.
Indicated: h=4 m=14
